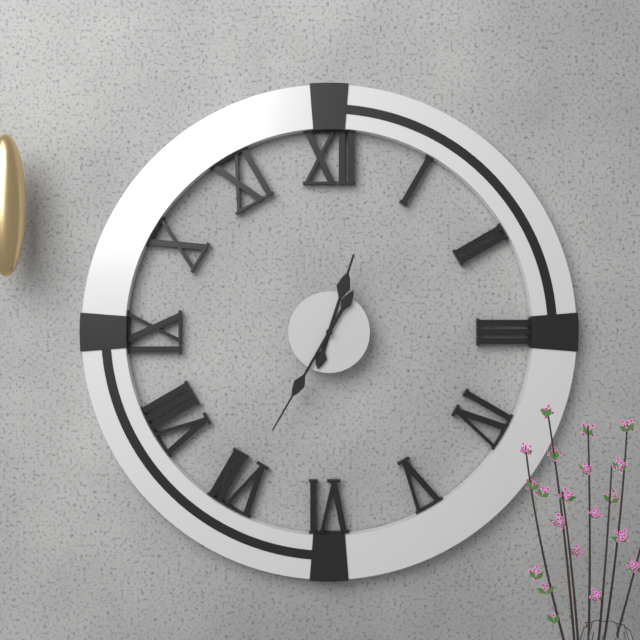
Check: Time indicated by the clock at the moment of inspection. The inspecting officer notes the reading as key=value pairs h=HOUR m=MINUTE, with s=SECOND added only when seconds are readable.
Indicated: h=12 m=35
